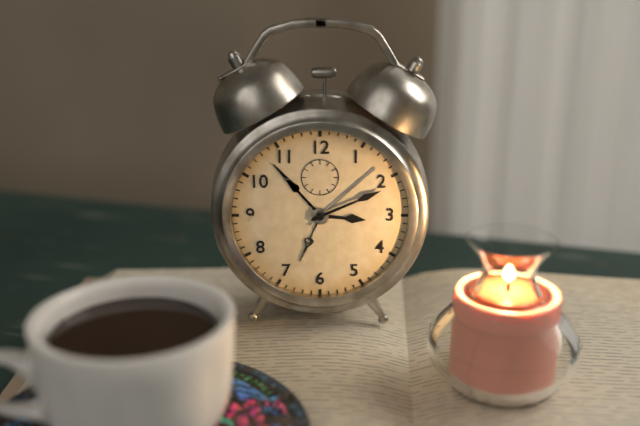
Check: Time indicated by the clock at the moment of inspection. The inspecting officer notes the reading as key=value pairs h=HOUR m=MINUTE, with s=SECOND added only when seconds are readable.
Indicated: h=3 m=11
